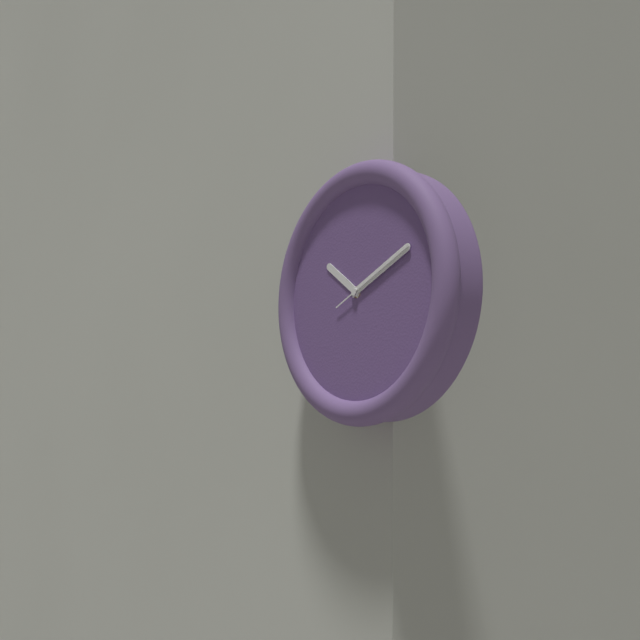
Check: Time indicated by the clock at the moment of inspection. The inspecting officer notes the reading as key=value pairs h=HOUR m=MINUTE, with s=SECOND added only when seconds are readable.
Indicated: h=10 m=11 s=11
